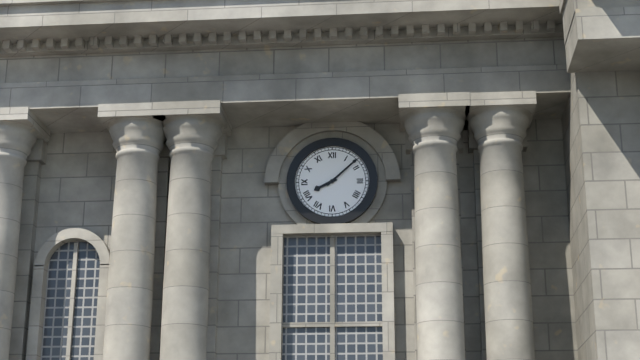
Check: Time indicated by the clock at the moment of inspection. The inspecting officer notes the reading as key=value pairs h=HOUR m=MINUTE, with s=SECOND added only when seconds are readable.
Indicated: h=8 m=8
